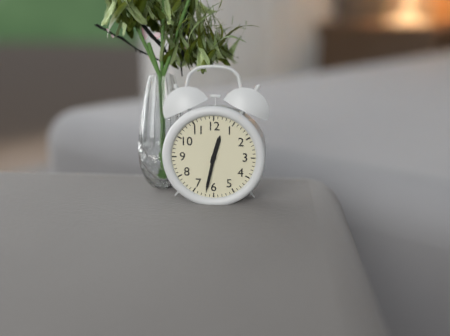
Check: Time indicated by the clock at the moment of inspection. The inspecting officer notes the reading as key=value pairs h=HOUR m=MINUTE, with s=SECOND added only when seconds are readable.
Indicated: h=12 m=32
